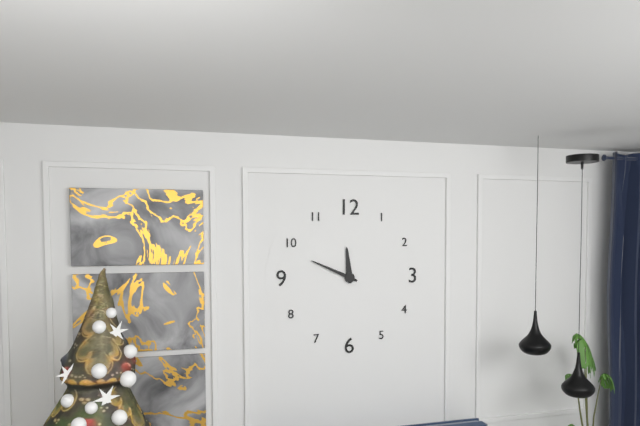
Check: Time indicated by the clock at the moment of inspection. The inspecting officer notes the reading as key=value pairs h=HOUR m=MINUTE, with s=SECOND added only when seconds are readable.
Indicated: h=11 m=49
